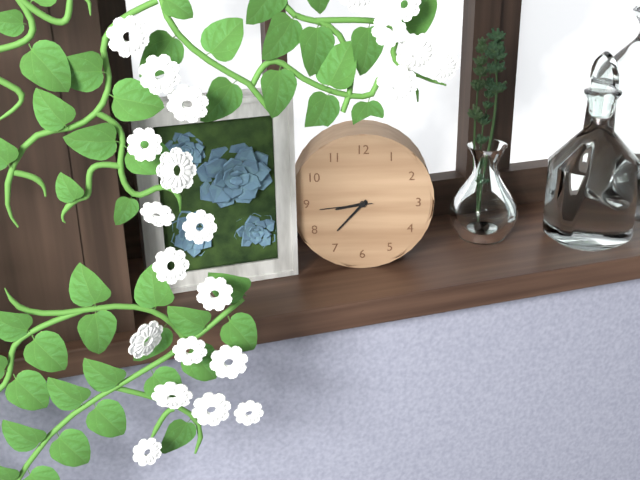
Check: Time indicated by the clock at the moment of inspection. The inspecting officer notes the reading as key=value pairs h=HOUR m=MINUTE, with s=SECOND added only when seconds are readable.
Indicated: h=8 m=37 s=44
